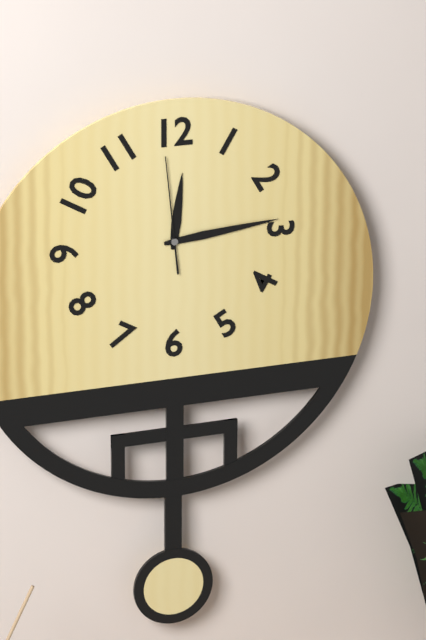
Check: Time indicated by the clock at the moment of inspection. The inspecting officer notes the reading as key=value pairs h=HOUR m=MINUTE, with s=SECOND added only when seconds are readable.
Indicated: h=12 m=14 s=59
